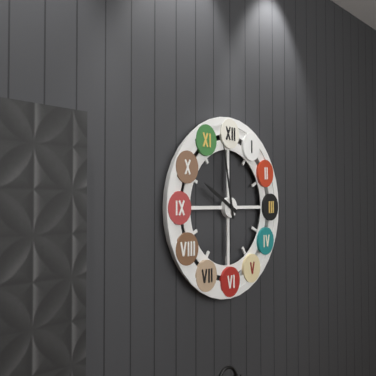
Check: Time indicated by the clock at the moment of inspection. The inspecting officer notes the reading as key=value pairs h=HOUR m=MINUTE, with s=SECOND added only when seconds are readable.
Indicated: h=9 m=58
